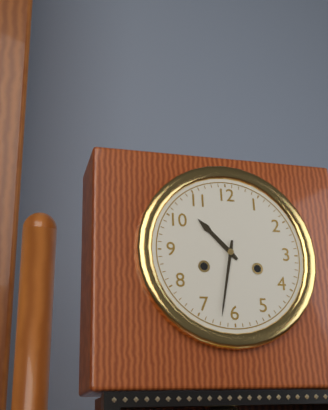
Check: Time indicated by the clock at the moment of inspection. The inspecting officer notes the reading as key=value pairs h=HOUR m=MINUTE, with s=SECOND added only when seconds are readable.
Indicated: h=10 m=32
